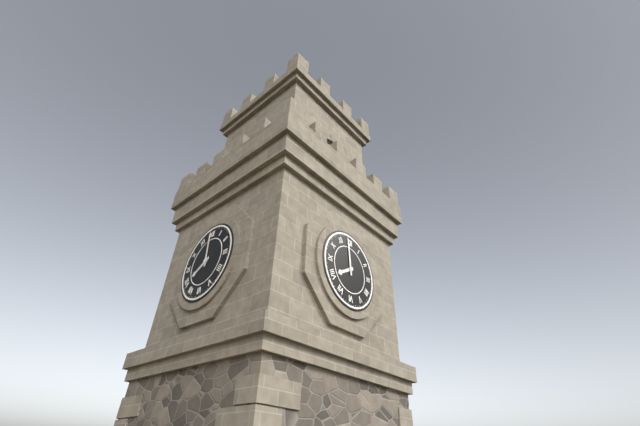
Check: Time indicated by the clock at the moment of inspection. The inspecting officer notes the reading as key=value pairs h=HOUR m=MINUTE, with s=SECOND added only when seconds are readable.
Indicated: h=7 m=59
